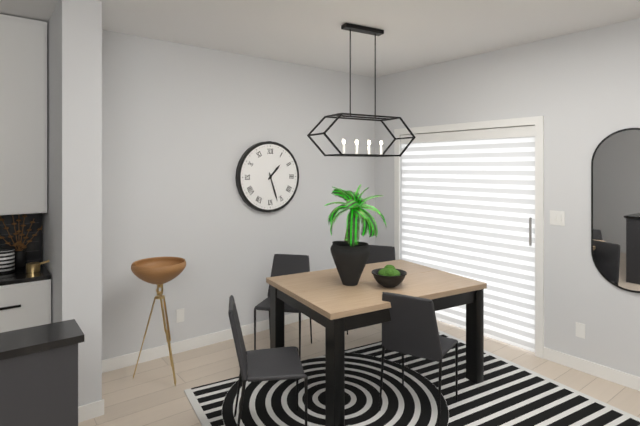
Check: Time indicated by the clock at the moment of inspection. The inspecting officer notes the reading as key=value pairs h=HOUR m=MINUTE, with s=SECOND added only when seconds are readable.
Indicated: h=1 m=27
